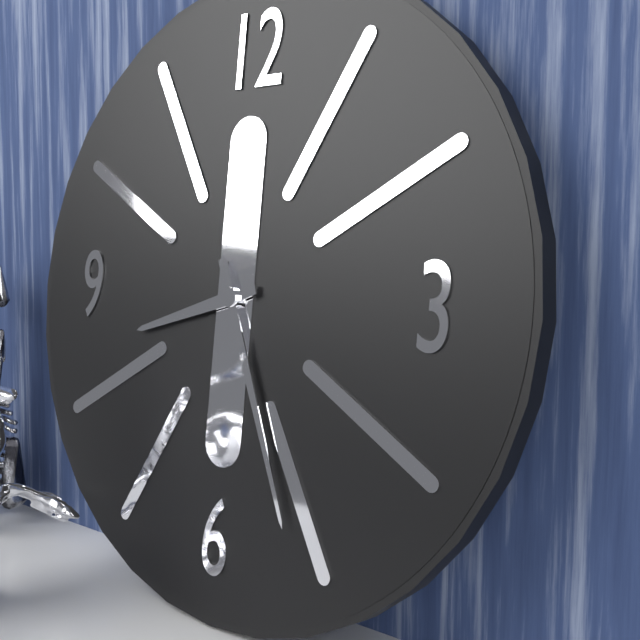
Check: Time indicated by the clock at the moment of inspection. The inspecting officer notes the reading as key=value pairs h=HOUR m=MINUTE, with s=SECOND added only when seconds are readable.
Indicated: h=8 m=26
